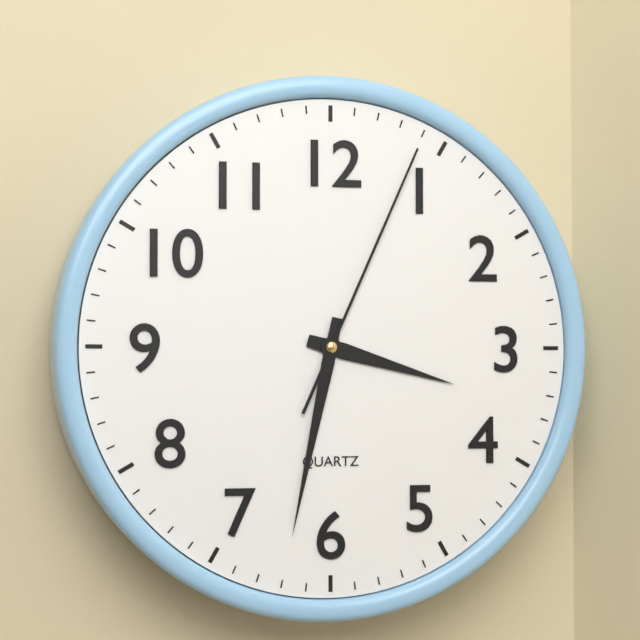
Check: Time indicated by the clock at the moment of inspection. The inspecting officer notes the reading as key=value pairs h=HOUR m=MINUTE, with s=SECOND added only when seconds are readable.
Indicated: h=3 m=32 s=4
